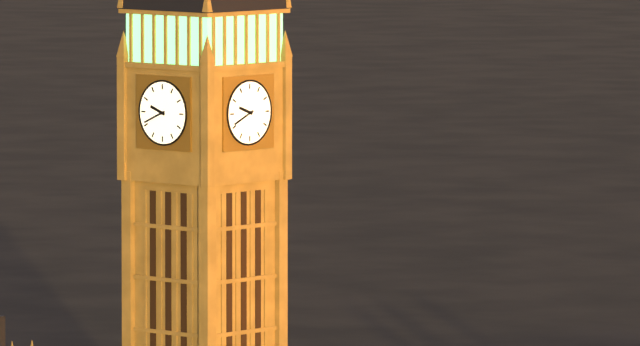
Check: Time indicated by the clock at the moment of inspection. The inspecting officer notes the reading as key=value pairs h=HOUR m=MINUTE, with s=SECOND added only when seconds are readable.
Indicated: h=9 m=41
